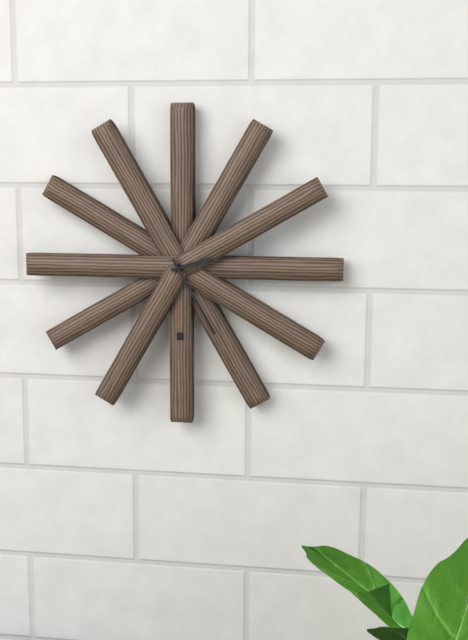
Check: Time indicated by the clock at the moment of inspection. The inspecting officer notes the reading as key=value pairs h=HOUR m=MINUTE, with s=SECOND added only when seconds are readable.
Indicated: h=2 m=25
